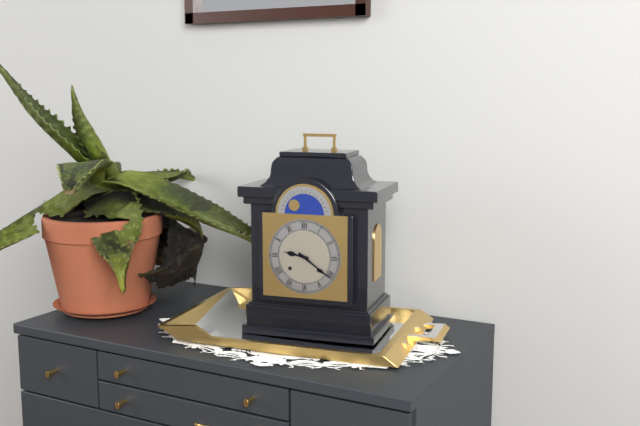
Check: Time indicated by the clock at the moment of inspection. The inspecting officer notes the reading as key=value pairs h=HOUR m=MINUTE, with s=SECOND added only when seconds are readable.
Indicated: h=9 m=21
